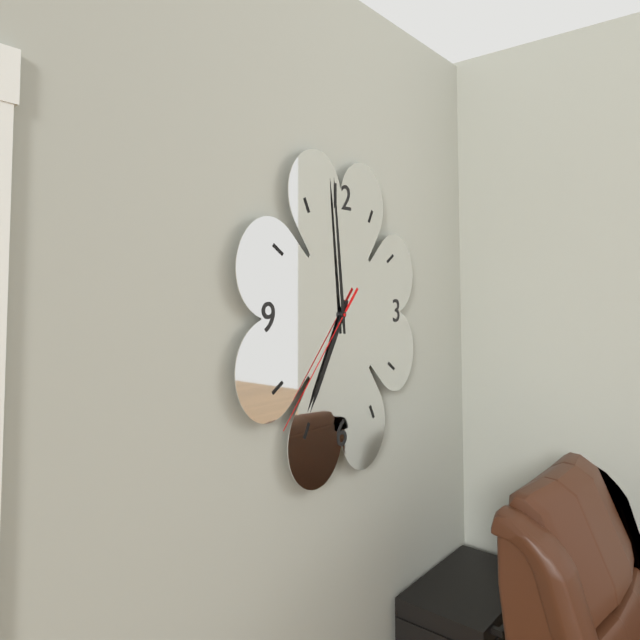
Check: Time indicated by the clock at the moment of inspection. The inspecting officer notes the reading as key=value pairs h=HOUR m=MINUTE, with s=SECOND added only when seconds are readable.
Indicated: h=6 m=59 s=37
